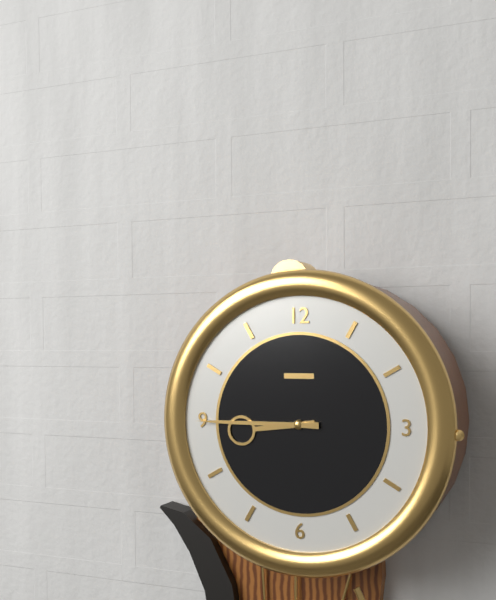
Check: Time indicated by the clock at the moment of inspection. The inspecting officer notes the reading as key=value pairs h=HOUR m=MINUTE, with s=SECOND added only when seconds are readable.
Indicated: h=8 m=45
